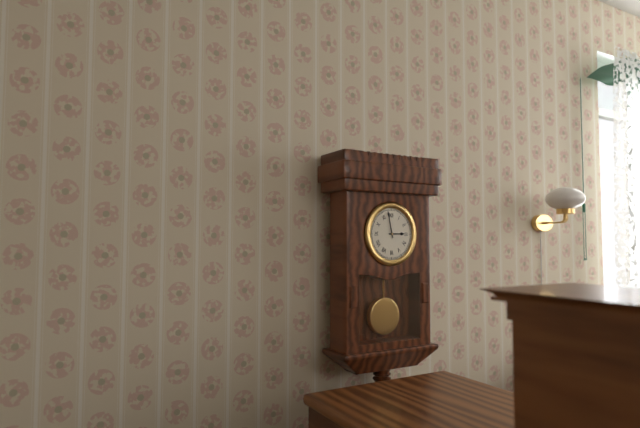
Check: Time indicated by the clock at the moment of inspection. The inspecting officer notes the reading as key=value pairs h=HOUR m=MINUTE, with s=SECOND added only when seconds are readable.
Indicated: h=2 m=58
